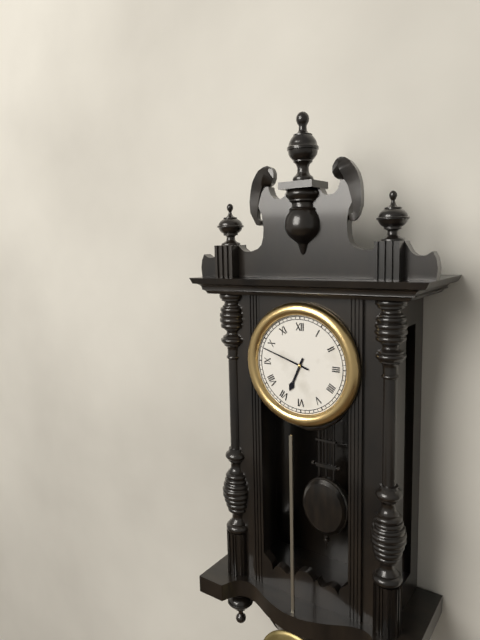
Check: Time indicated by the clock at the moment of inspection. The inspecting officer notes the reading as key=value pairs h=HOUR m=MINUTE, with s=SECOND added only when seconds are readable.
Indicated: h=6 m=48
